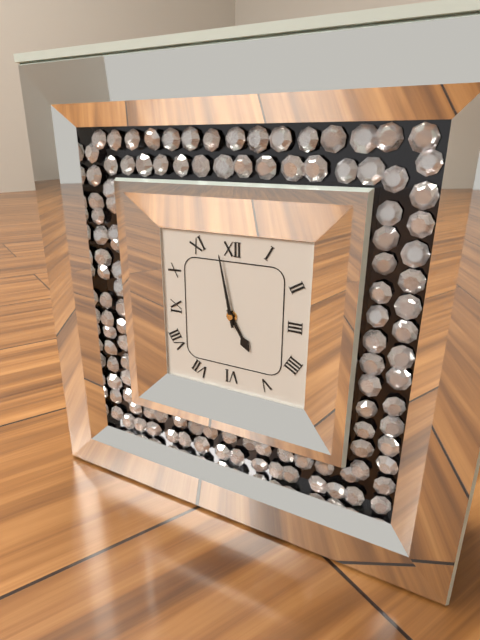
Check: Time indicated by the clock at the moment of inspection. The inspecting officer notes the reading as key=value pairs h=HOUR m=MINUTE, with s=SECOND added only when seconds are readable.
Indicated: h=4 m=58
